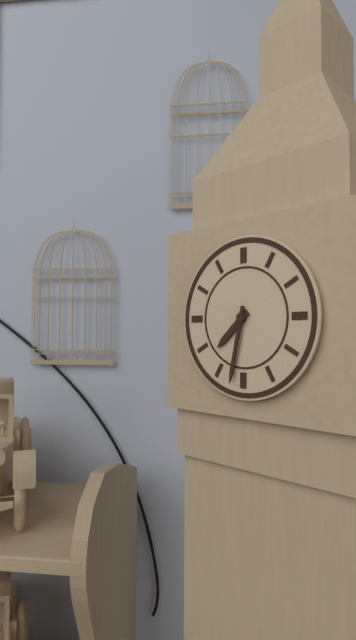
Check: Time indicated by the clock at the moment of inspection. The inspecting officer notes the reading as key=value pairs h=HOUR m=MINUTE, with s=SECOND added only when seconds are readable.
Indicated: h=7 m=32
